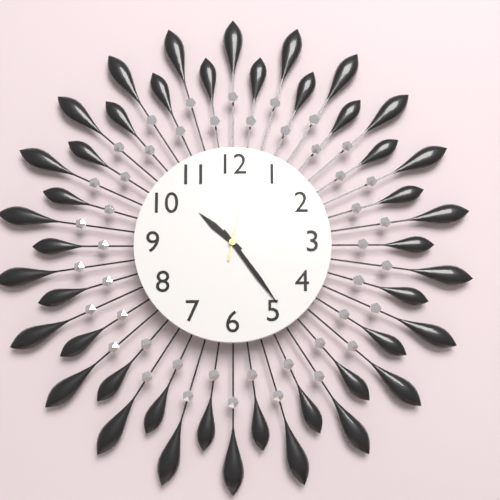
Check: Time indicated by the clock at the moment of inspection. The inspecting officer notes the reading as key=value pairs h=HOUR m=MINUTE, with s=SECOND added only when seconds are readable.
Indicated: h=10 m=24 s=2
